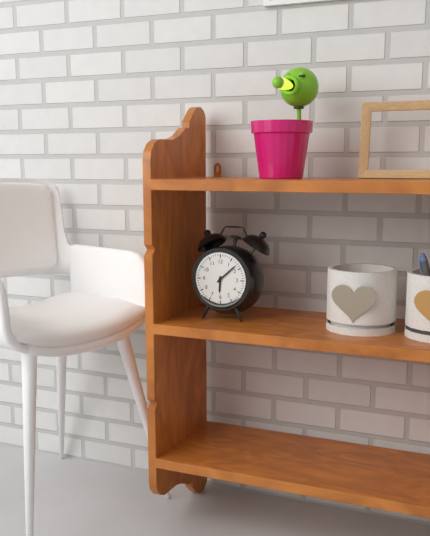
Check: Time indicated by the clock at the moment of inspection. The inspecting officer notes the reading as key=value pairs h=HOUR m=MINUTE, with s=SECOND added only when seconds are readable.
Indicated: h=6 m=8
